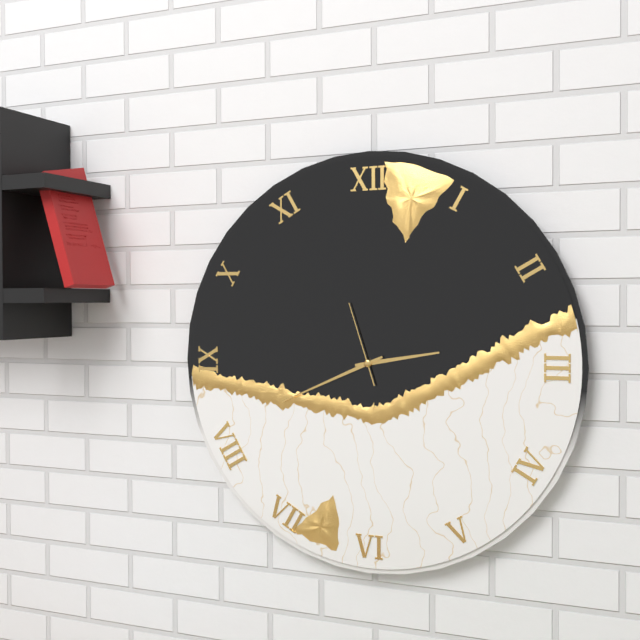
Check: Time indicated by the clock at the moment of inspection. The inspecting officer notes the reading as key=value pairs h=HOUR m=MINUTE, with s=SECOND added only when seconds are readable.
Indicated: h=2 m=41 s=57
